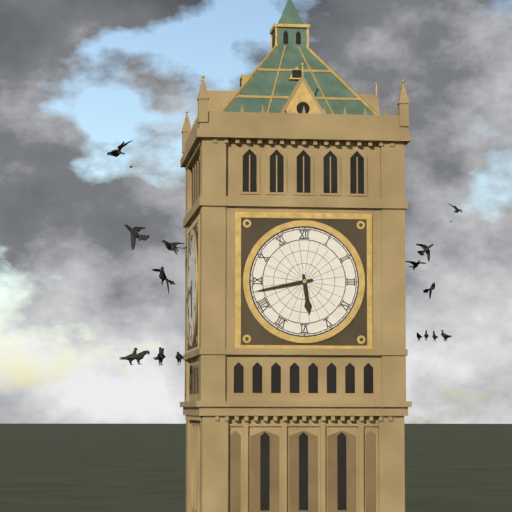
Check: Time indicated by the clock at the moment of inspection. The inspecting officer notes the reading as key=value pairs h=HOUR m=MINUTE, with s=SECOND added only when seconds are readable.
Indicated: h=5 m=43
